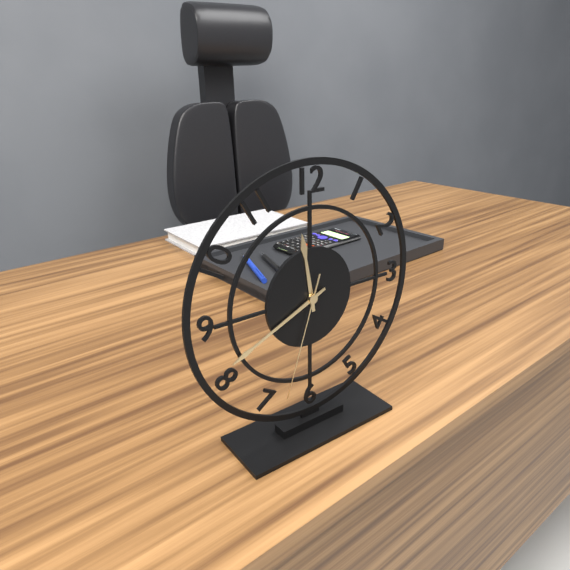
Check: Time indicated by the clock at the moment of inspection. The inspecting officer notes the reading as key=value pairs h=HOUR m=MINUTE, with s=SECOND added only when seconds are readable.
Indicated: h=11 m=41 s=33
